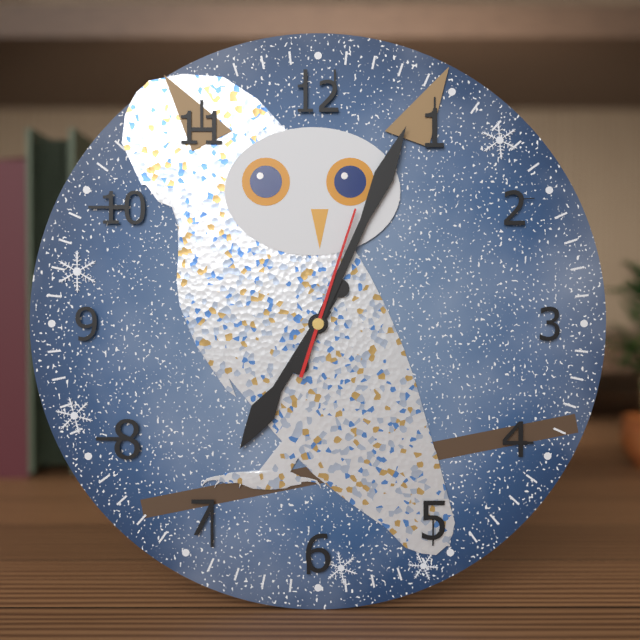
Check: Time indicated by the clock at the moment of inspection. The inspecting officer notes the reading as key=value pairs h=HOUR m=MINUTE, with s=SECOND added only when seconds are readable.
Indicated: h=7 m=4 s=3
